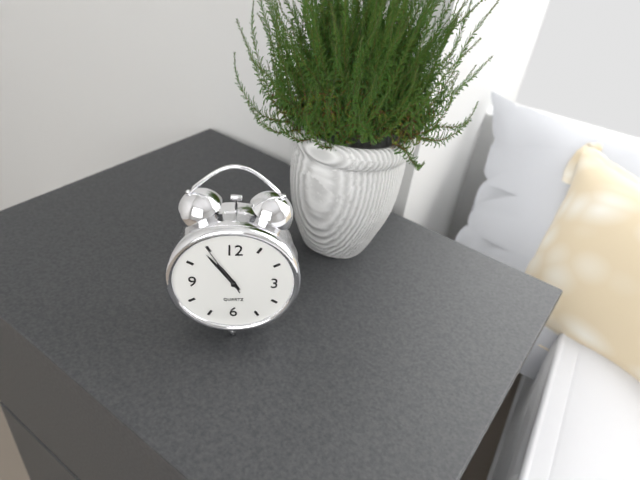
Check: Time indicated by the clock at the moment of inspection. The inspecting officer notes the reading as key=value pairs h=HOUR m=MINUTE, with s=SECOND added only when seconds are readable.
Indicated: h=10 m=54 s=55
